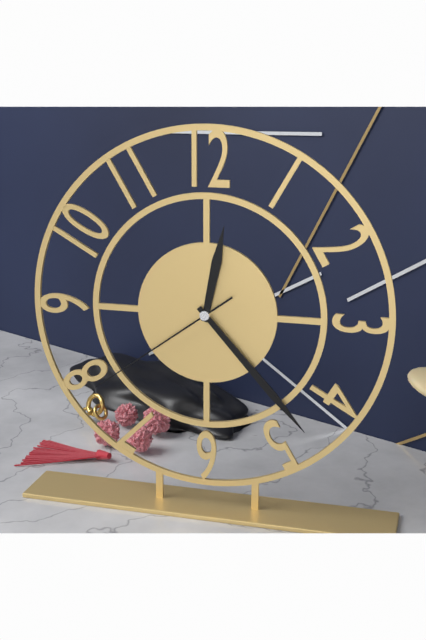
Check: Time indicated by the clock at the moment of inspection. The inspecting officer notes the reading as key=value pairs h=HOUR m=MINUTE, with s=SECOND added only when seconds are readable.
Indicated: h=12 m=23 s=39
